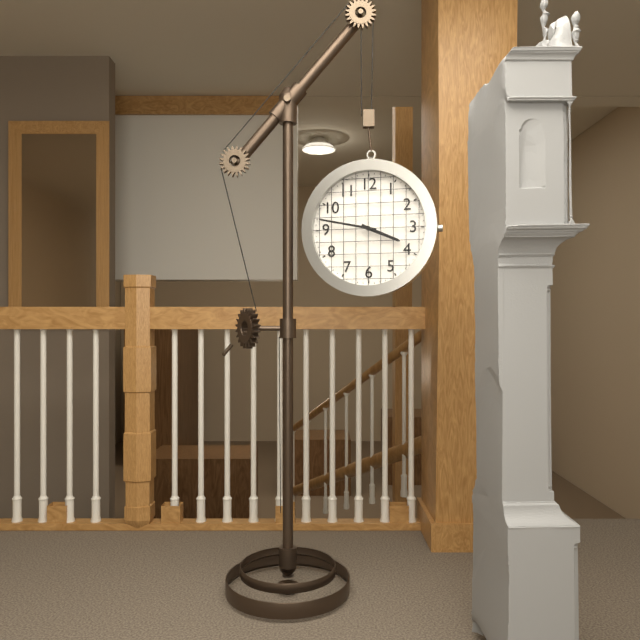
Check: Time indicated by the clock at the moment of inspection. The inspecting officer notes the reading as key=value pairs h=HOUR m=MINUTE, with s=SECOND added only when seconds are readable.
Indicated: h=3 m=47
